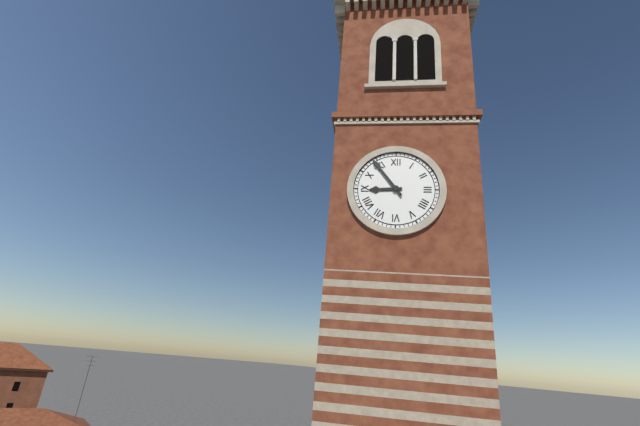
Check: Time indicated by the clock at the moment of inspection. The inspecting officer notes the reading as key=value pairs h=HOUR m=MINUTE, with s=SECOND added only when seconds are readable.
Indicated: h=8 m=54
